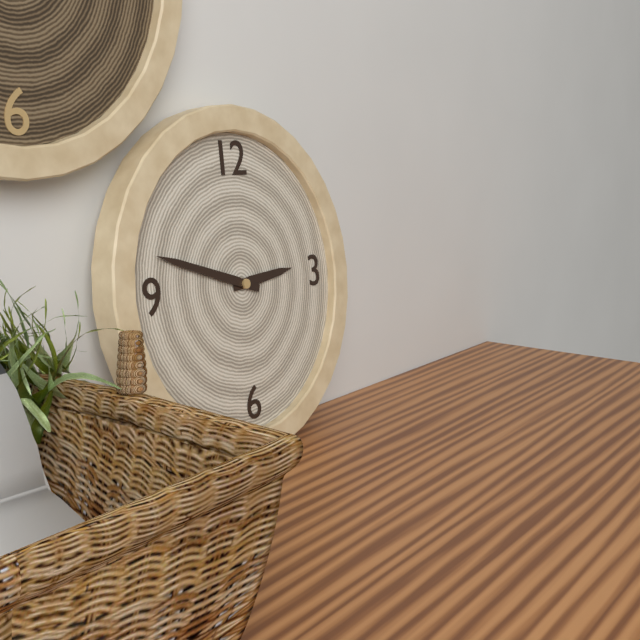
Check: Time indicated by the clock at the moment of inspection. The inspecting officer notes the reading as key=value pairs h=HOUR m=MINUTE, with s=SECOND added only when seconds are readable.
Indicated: h=2 m=48
